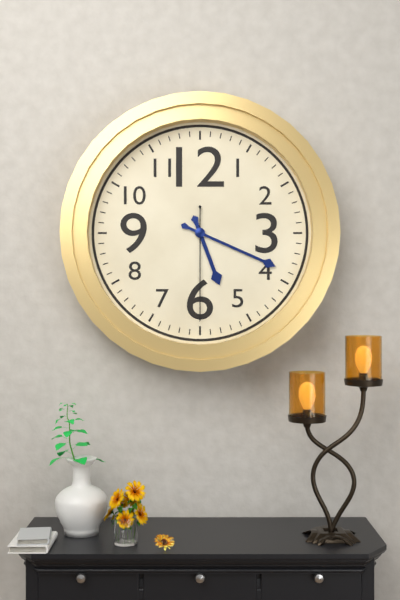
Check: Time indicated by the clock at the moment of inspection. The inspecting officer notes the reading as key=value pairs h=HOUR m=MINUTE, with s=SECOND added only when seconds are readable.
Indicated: h=5 m=19 s=30
